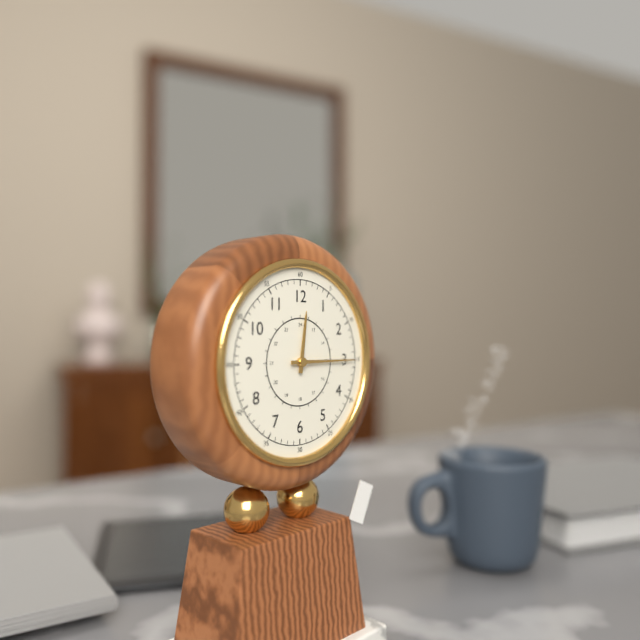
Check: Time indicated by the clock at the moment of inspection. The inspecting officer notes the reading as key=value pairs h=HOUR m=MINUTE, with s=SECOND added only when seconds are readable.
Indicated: h=12 m=15
